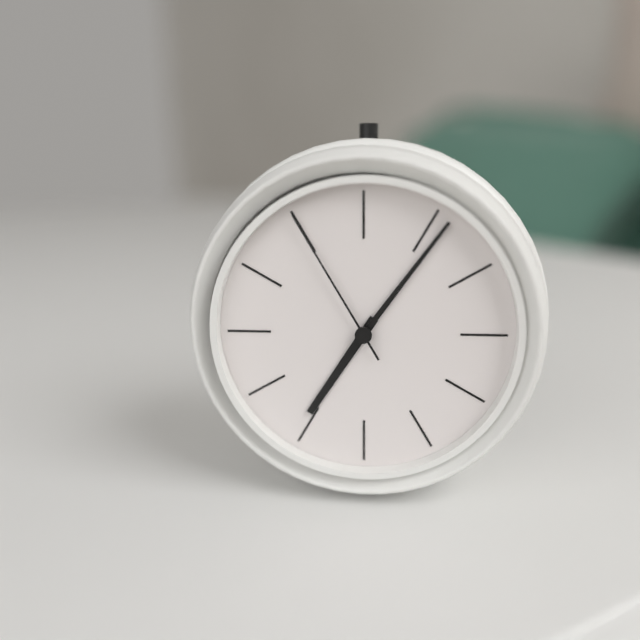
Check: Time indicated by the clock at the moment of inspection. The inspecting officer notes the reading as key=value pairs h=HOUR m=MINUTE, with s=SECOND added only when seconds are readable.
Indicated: h=7 m=6 s=55
